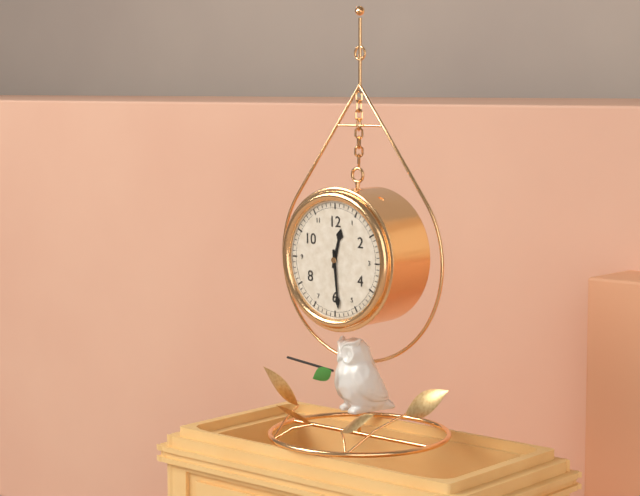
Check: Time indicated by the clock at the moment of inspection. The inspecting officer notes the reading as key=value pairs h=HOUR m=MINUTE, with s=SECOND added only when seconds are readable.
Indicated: h=12 m=29
